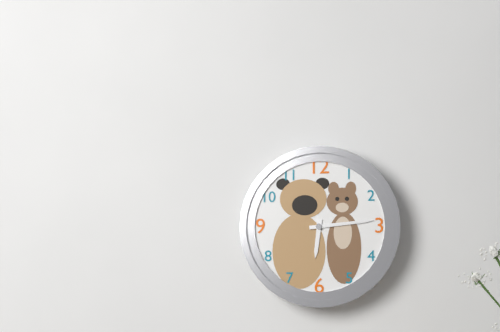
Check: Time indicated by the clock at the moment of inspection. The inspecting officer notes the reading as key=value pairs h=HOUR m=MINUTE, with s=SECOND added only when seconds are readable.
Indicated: h=6 m=14
